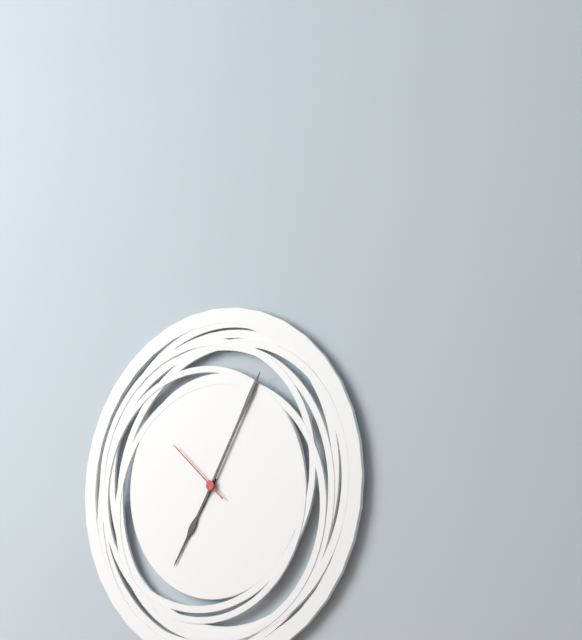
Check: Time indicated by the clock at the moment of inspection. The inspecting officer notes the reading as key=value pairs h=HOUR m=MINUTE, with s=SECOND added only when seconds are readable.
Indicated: h=7 m=5 s=52
